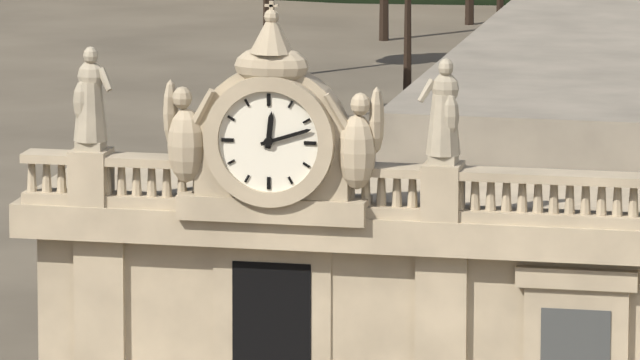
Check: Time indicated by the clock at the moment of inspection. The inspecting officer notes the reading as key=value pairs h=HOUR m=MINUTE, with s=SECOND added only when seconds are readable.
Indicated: h=12 m=12
